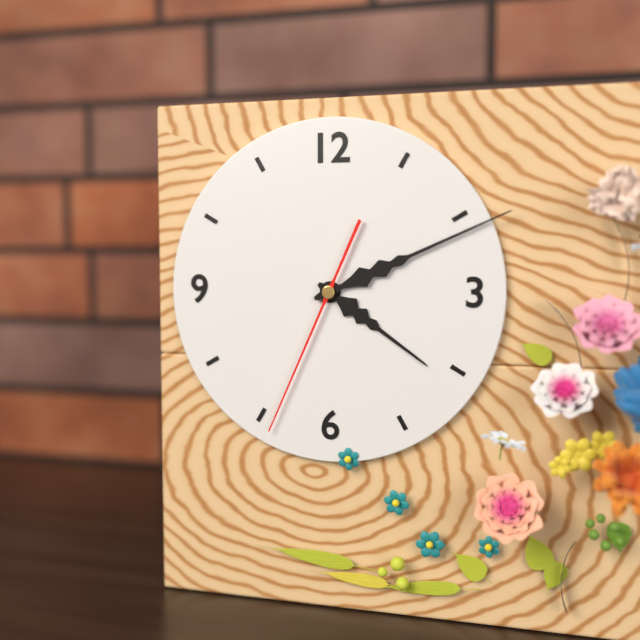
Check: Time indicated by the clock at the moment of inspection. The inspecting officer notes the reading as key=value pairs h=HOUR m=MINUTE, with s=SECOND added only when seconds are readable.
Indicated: h=4 m=11 s=34
